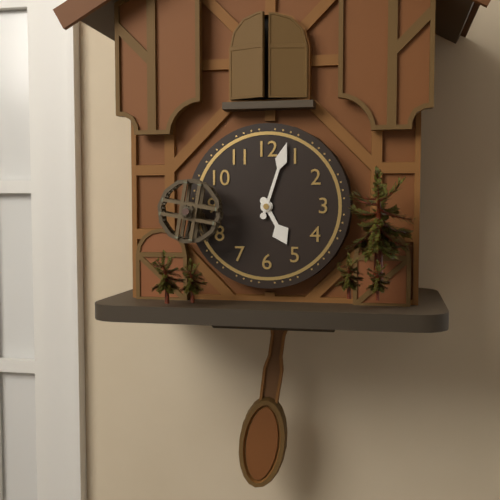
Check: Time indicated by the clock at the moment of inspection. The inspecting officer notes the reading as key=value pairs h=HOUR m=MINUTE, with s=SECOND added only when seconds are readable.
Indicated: h=5 m=3
